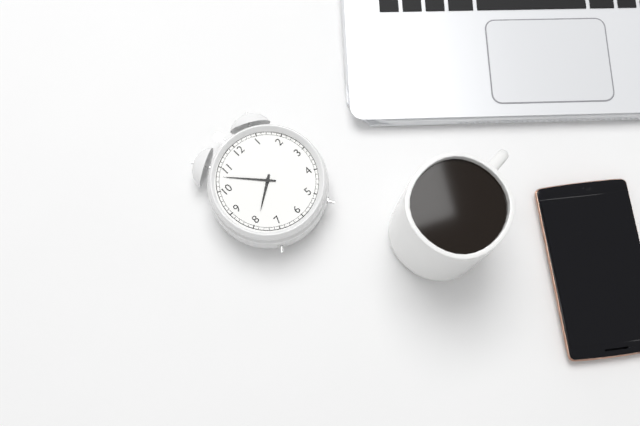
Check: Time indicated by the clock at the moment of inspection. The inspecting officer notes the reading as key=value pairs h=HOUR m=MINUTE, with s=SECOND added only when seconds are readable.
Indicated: h=7 m=53
